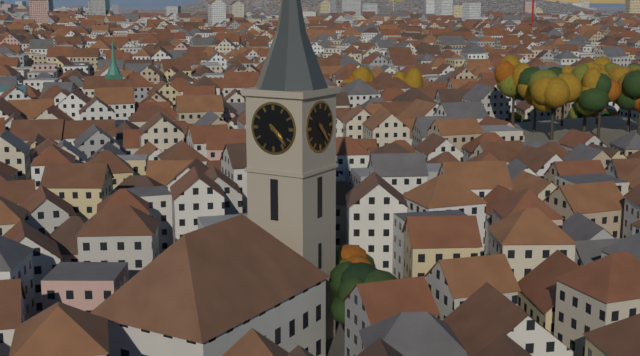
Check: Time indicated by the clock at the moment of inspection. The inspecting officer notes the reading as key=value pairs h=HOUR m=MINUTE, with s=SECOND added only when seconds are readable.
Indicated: h=4 m=23
